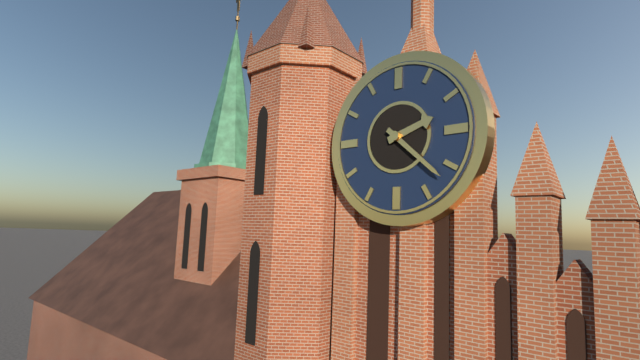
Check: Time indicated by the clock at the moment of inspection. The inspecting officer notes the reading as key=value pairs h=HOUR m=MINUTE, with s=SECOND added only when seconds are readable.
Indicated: h=2 m=22
